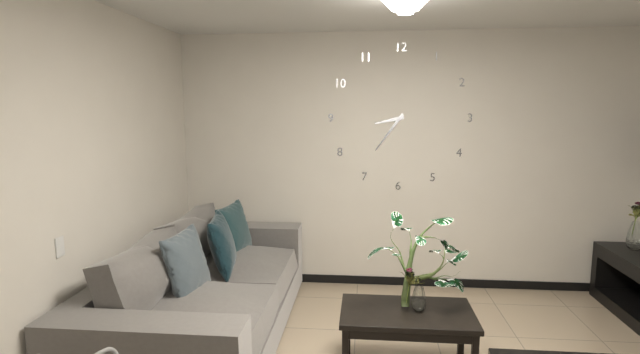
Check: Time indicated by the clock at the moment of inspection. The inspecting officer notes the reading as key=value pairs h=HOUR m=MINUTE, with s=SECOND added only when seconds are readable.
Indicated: h=8 m=36
